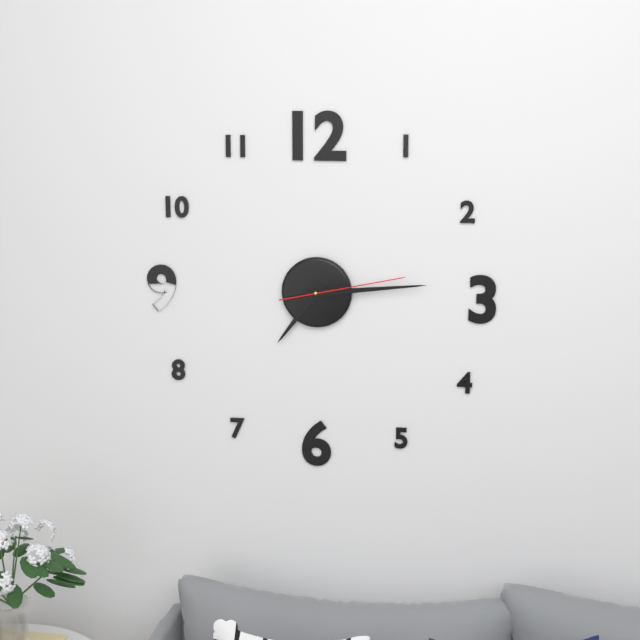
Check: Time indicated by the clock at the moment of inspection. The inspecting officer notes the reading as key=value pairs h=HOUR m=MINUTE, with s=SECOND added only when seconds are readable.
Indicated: h=7 m=14 s=13
